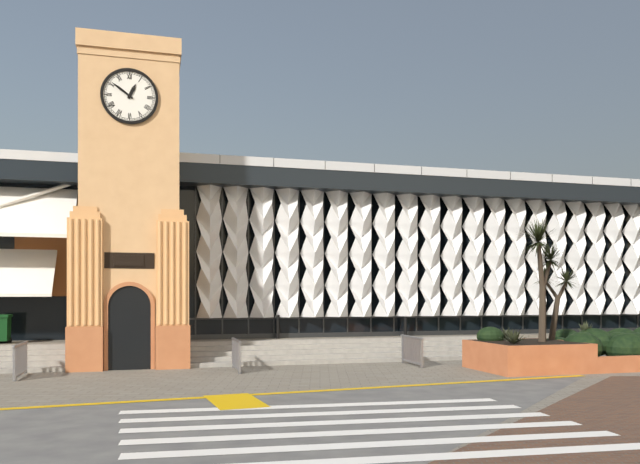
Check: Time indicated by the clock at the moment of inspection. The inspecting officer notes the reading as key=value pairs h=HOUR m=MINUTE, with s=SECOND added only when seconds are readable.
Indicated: h=12 m=51
